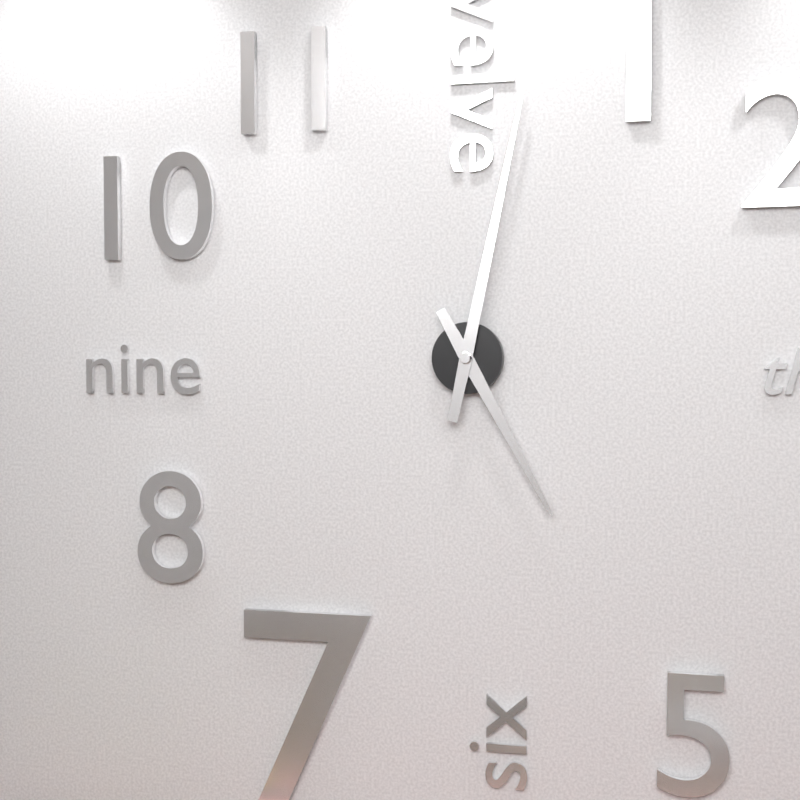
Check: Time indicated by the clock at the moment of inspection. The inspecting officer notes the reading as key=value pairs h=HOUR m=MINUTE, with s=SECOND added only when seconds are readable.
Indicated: h=5 m=2
